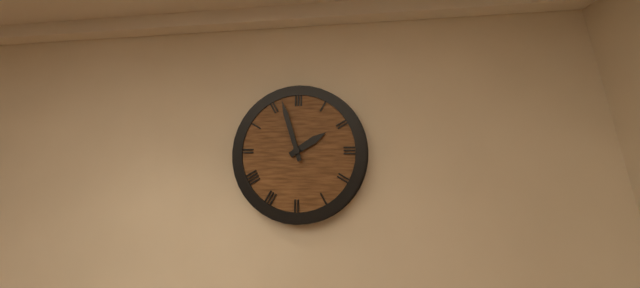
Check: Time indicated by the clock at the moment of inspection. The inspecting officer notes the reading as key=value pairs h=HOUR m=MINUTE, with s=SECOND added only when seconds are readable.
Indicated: h=1 m=57
